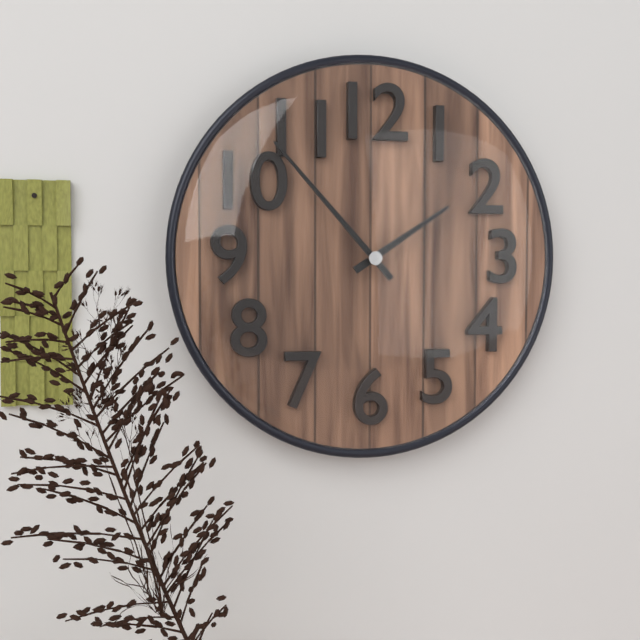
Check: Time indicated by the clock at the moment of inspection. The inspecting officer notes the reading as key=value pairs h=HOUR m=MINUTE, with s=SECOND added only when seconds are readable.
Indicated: h=1 m=53
